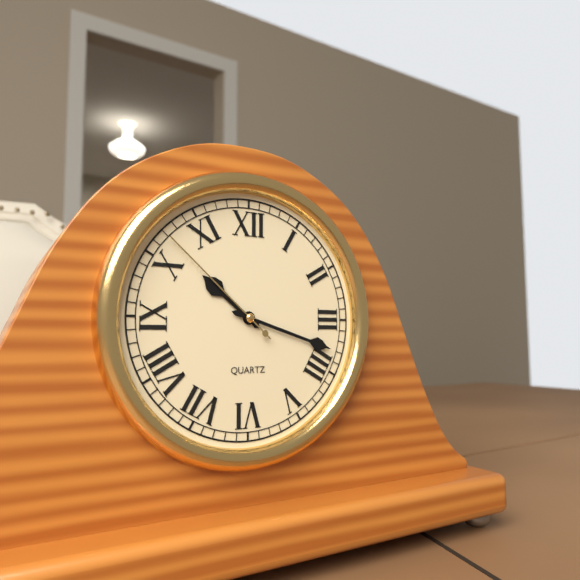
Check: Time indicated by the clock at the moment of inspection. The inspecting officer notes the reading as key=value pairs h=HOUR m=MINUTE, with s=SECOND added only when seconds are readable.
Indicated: h=10 m=18 s=52
